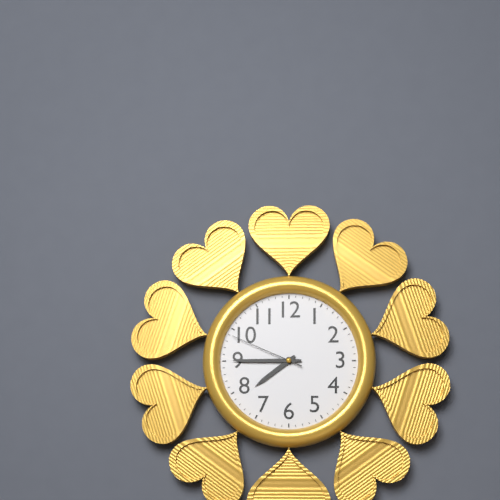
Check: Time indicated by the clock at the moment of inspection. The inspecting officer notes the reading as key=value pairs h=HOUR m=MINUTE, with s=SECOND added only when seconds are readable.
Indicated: h=7 m=45 s=49
